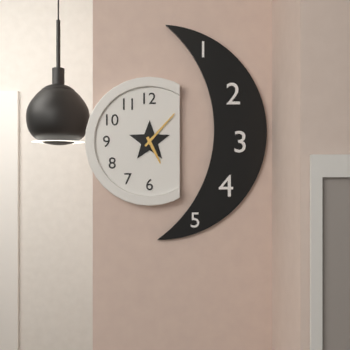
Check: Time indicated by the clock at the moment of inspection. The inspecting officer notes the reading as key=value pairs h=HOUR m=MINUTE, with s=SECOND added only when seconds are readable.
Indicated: h=5 m=7
